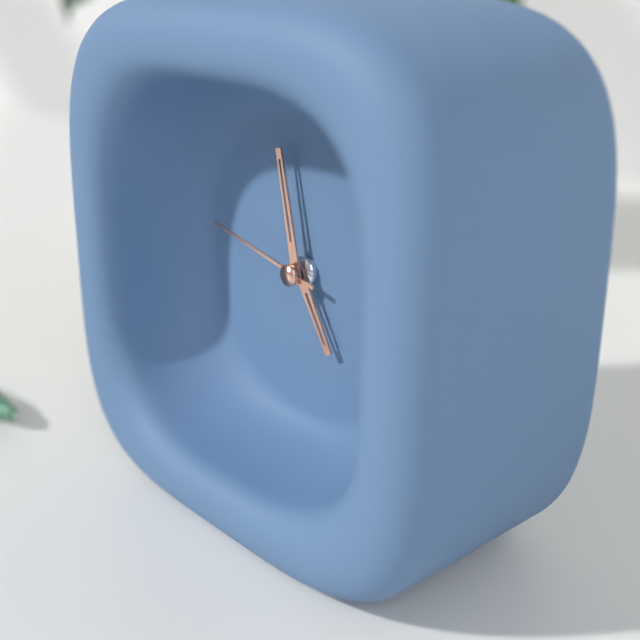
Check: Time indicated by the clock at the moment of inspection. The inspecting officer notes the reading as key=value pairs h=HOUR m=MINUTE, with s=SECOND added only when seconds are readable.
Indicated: h=4 m=58 s=47
